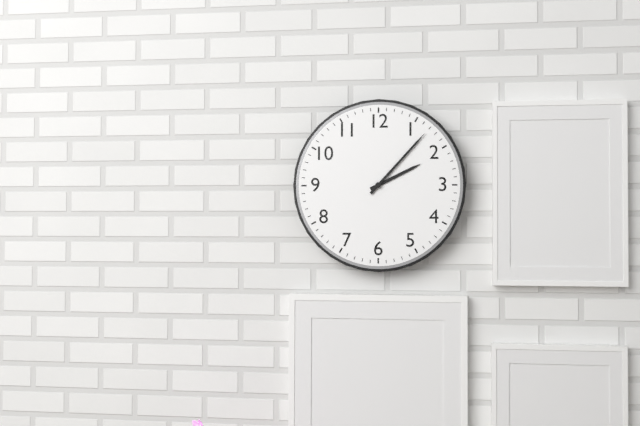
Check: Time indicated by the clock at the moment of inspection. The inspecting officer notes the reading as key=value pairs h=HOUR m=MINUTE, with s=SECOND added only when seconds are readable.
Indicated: h=2 m=7
